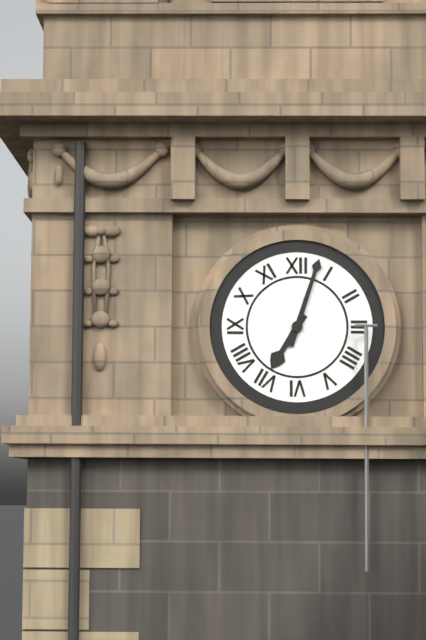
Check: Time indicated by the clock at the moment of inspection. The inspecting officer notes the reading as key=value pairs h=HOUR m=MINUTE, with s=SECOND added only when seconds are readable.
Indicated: h=7 m=3
